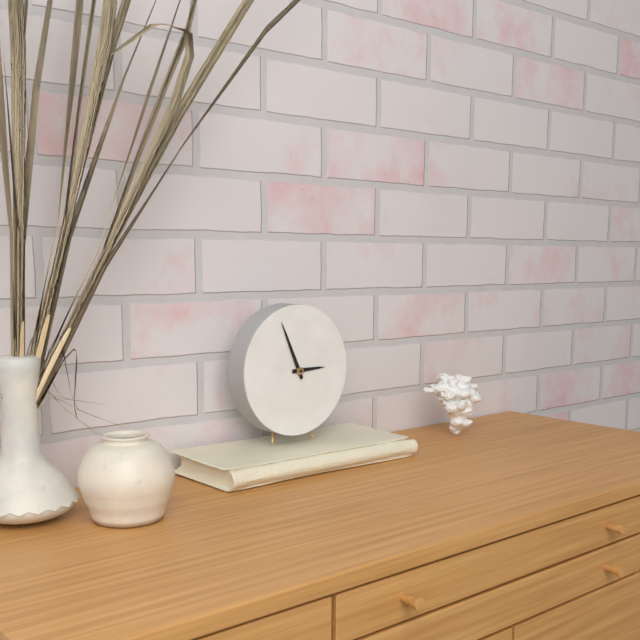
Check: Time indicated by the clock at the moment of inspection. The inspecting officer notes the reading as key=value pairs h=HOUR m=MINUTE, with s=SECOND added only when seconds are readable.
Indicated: h=2 m=56
